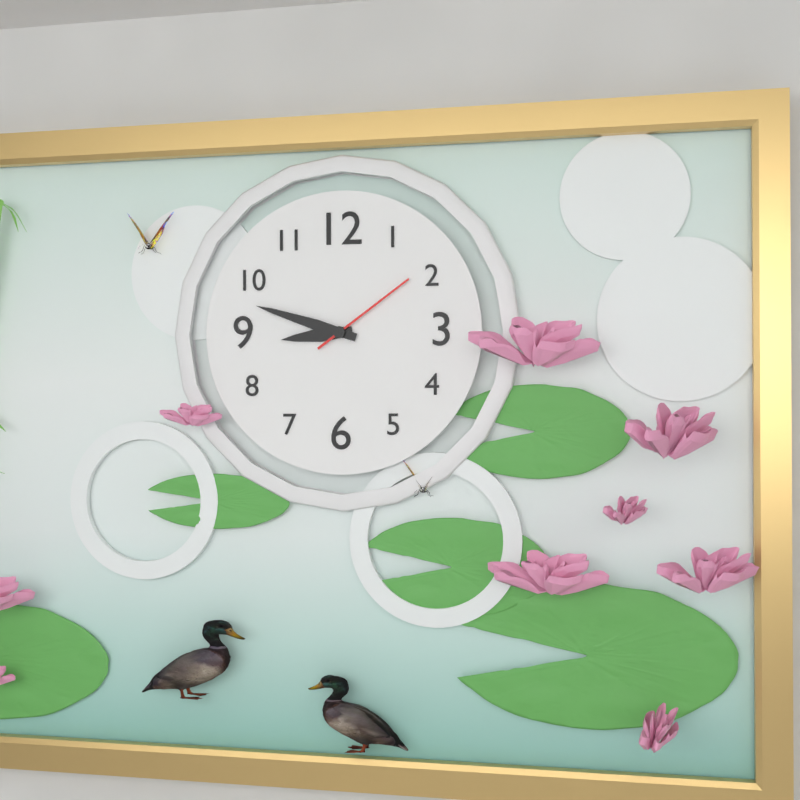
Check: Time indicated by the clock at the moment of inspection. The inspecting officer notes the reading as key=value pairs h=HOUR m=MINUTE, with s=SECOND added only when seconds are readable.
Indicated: h=8 m=48 s=9
